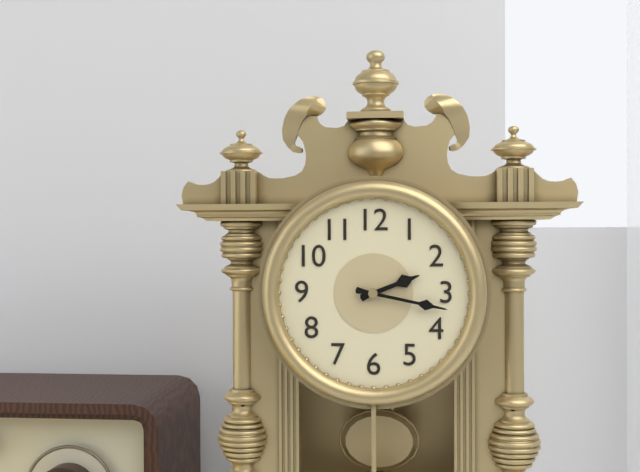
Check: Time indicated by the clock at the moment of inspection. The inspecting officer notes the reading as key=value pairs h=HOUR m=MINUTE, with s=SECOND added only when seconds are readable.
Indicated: h=2 m=17
